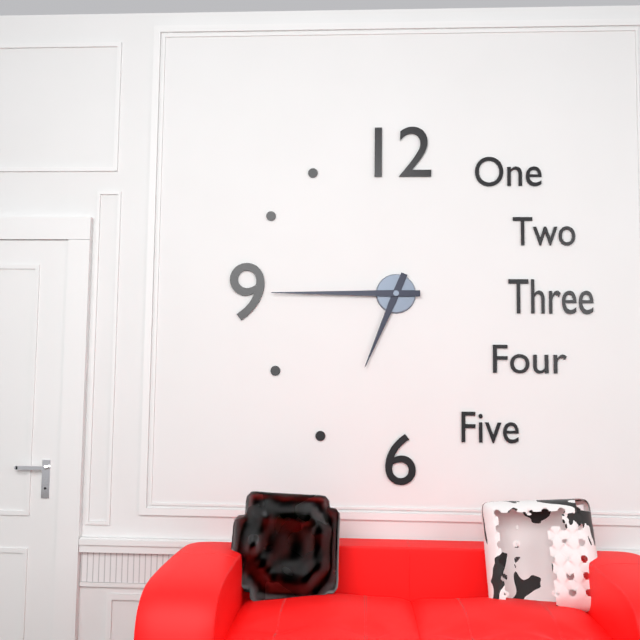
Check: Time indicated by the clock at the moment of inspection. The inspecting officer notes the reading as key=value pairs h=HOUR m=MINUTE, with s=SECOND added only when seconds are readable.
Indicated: h=6 m=45
